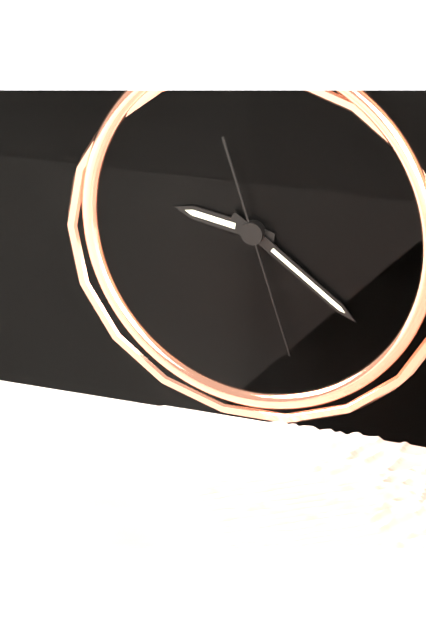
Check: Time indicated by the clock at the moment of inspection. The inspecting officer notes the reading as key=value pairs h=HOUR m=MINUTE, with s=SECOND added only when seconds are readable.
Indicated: h=9 m=21 s=27
